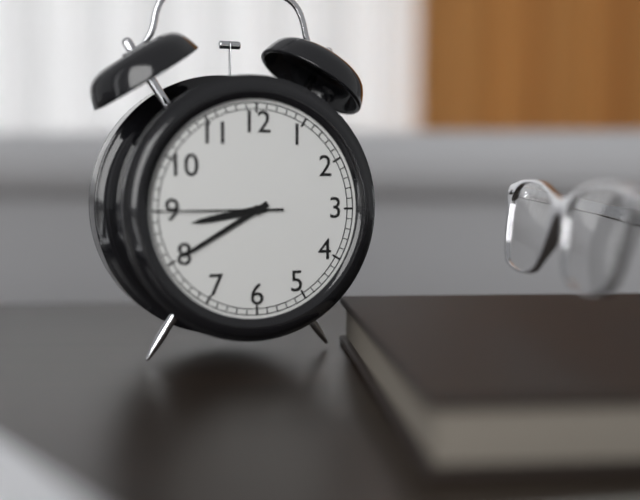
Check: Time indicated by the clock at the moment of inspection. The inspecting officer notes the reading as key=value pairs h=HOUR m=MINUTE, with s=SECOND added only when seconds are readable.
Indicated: h=8 m=40 s=45
